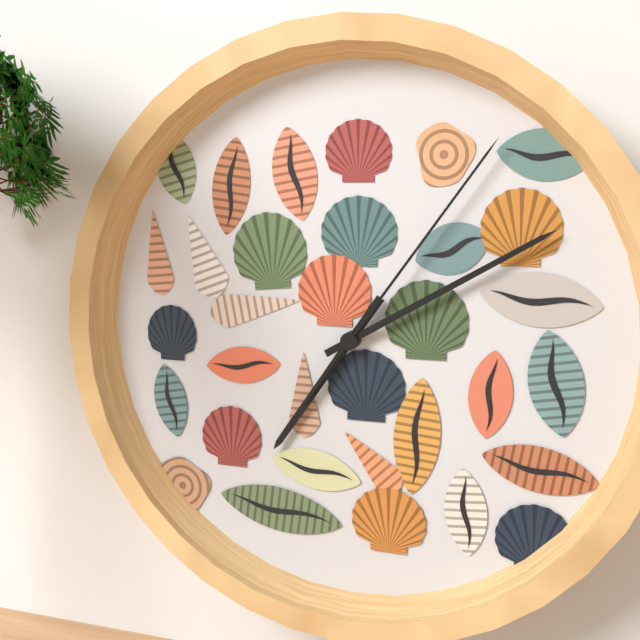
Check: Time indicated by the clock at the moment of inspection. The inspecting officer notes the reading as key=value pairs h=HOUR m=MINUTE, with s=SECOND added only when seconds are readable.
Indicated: h=7 m=10 s=6
